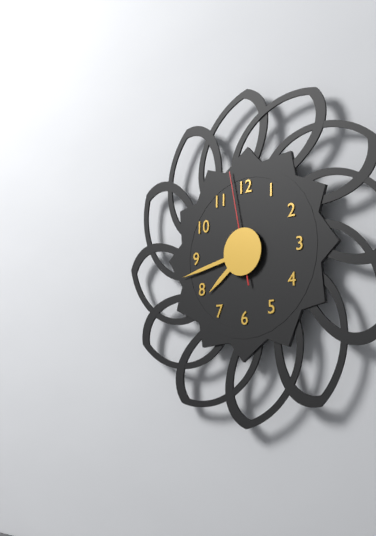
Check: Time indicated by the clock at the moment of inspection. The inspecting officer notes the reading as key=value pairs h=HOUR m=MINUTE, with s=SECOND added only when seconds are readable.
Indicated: h=7 m=43 s=58
